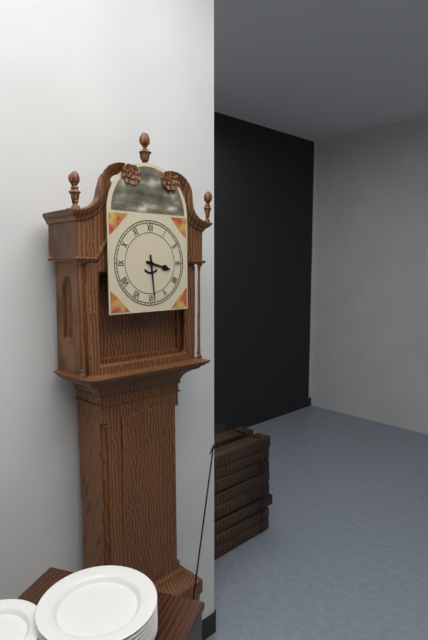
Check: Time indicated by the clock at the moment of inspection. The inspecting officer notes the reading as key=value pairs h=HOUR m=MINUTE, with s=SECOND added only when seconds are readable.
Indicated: h=3 m=29
